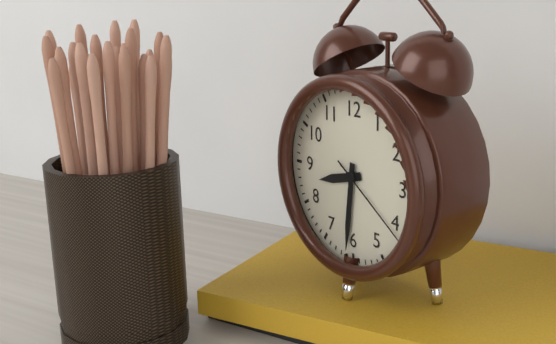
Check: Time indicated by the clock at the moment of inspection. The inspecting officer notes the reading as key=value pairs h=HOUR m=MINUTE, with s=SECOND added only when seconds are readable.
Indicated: h=8 m=31 s=21
